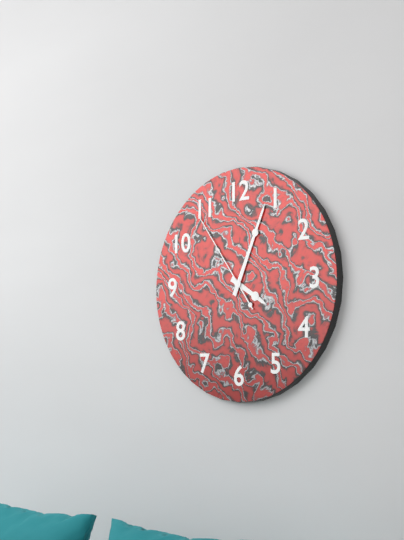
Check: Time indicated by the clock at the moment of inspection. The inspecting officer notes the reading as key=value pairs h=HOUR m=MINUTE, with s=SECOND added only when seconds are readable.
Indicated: h=4 m=4 s=54
